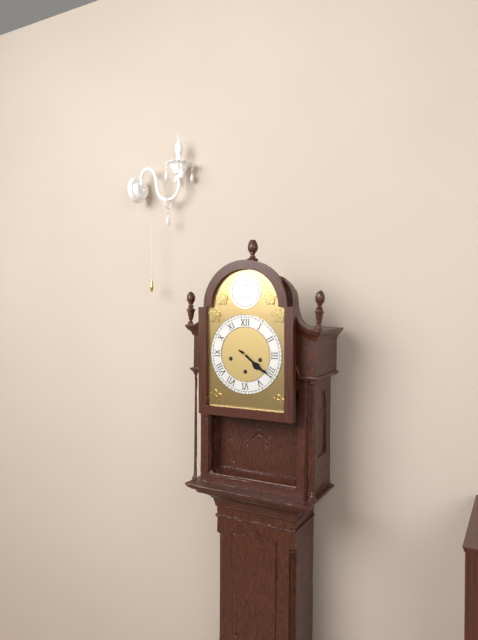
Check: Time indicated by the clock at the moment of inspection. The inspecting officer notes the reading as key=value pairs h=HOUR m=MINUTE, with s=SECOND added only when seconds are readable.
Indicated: h=4 m=21
